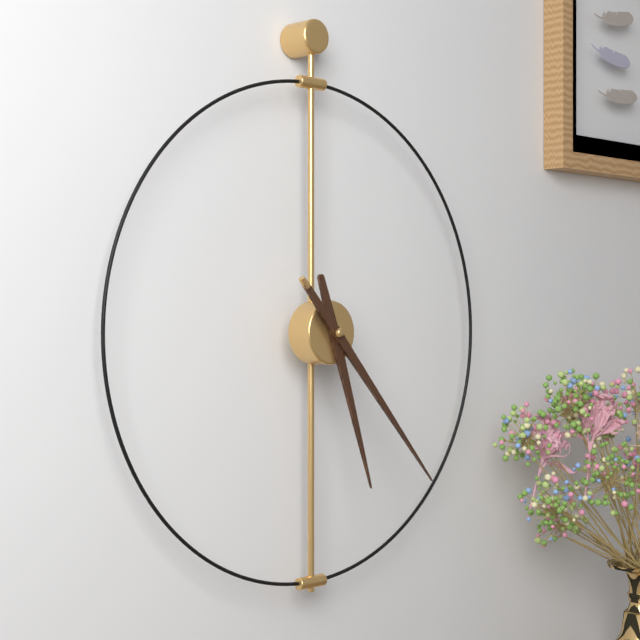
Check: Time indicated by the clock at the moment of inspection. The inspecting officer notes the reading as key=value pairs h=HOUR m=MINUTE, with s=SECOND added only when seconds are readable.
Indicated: h=5 m=23
